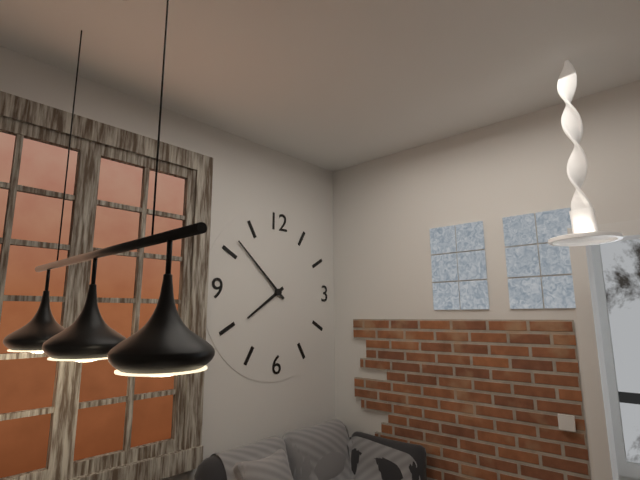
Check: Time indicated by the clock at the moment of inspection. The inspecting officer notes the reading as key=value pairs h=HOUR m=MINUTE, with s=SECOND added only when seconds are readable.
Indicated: h=7 m=52
